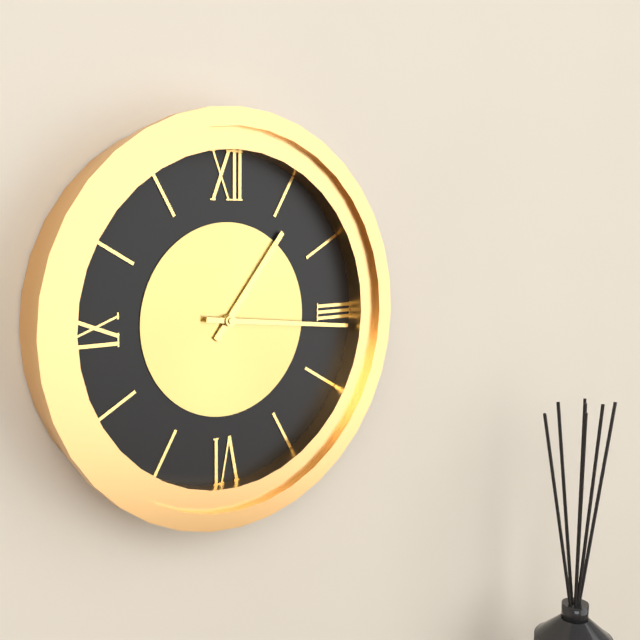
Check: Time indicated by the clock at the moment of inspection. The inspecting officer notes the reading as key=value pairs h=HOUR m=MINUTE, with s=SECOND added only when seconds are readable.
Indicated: h=1 m=16
